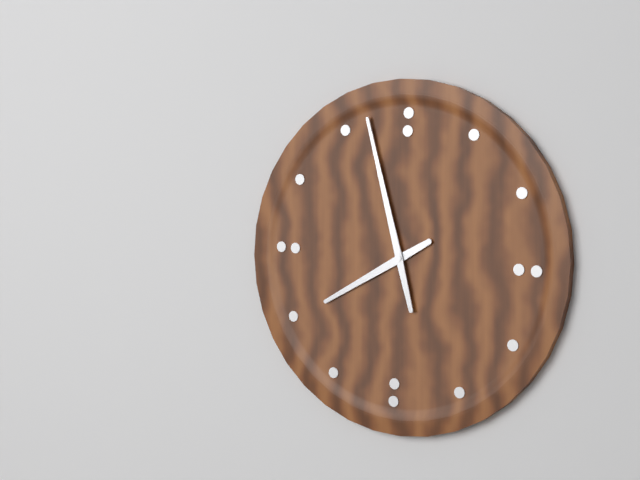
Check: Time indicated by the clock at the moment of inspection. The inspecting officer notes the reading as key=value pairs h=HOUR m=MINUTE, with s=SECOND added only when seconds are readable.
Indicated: h=7 m=57
